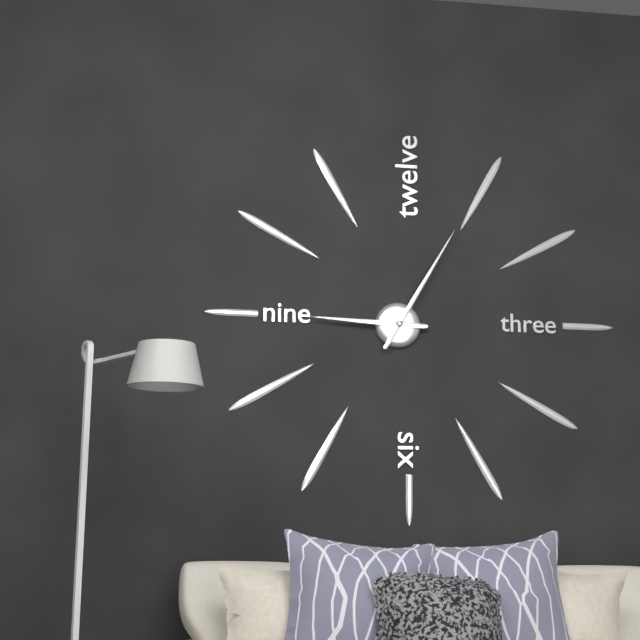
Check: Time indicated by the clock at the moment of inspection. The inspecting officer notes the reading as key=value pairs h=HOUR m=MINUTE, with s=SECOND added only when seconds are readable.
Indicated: h=9 m=5
